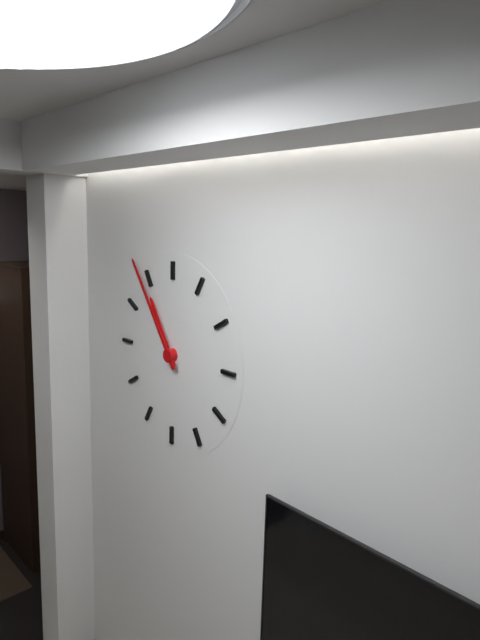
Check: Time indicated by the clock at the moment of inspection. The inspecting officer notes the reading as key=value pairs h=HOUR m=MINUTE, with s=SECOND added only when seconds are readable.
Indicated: h=10 m=54
